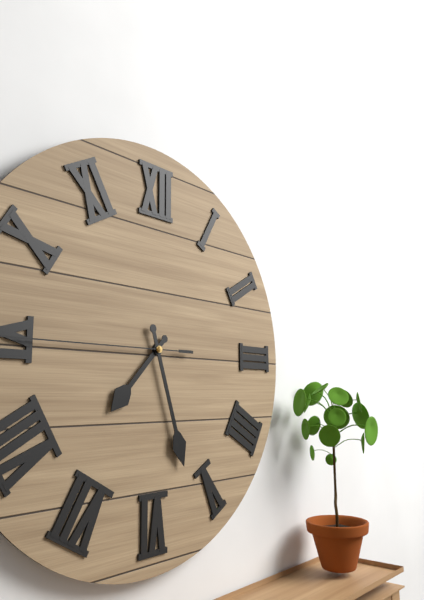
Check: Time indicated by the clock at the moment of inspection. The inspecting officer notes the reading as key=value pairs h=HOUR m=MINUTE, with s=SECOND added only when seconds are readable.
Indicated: h=7 m=27
